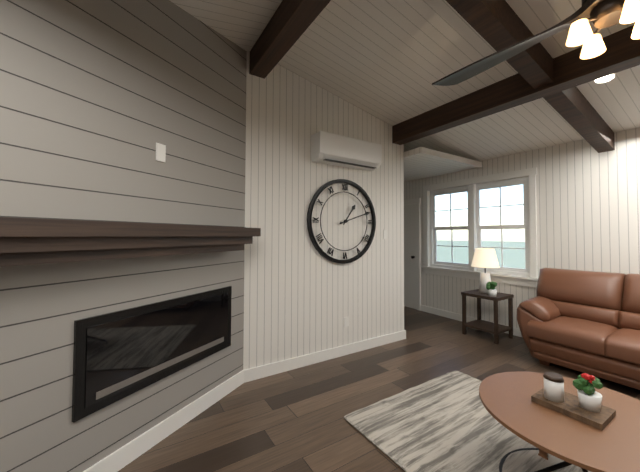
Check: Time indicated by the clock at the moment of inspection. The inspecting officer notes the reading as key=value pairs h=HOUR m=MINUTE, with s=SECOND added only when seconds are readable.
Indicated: h=1 m=12
